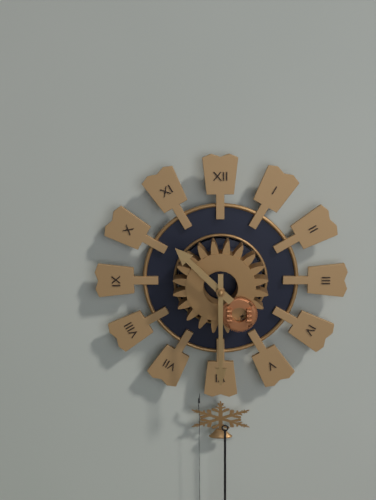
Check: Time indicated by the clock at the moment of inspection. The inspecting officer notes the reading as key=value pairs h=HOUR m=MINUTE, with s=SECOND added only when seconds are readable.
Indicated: h=10 m=30
